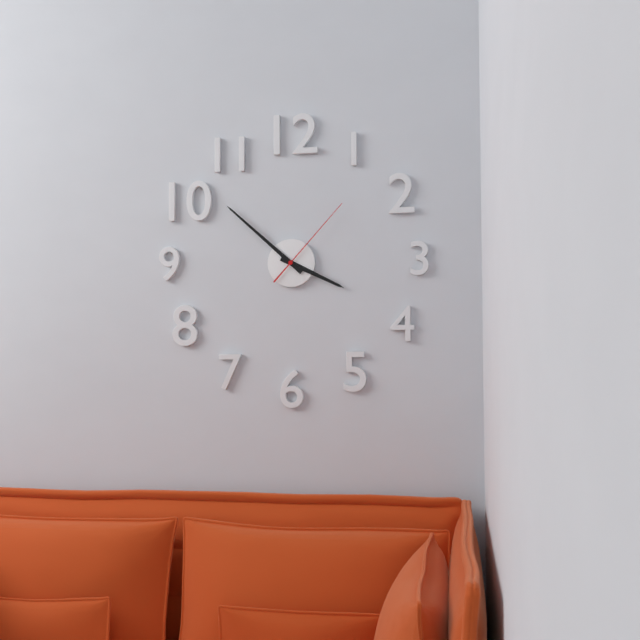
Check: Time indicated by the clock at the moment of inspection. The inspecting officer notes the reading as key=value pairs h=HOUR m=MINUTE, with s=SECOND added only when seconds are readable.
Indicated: h=3 m=52 s=7
